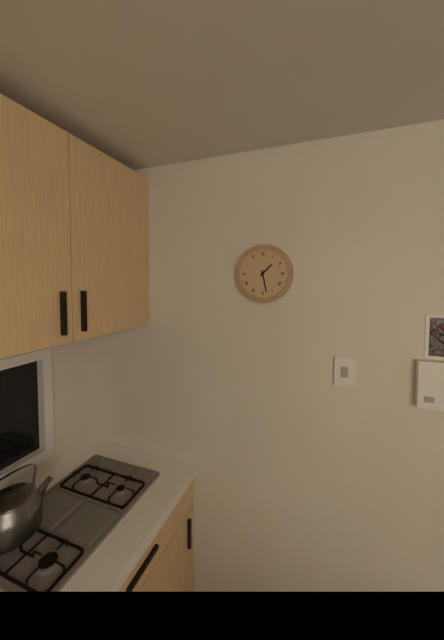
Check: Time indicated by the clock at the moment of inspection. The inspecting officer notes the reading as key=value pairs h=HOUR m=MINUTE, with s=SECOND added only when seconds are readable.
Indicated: h=1 m=28
